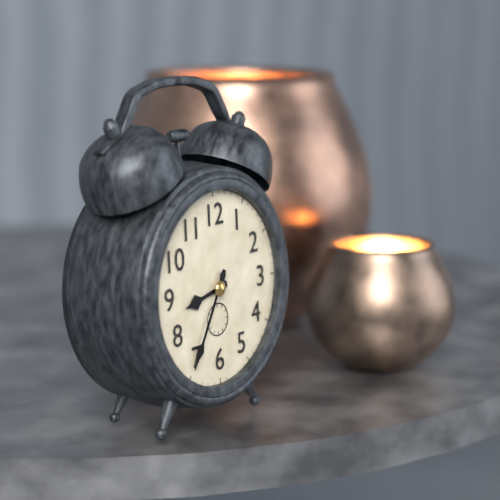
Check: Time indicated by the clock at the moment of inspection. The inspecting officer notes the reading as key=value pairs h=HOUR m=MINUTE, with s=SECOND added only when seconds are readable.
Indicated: h=8 m=35
